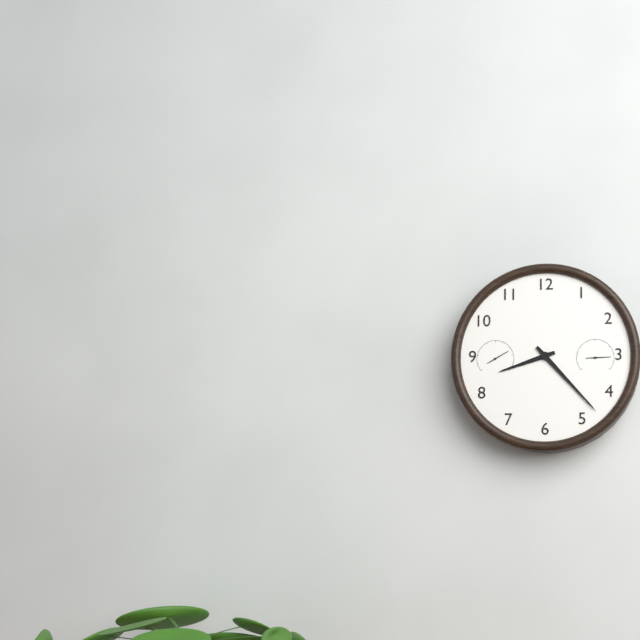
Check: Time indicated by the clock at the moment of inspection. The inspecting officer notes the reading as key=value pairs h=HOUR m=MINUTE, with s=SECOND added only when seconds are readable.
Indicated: h=8 m=23
